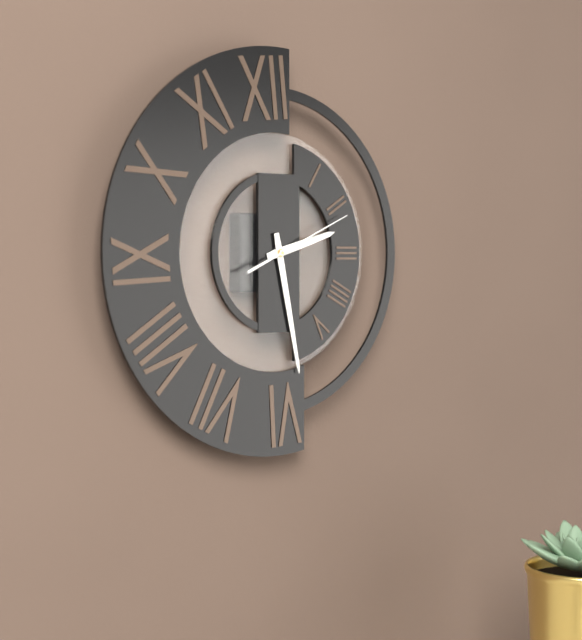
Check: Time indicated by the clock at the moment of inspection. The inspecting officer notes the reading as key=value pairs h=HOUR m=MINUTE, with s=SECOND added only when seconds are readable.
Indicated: h=2 m=28 s=11
